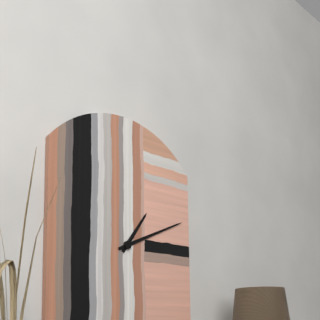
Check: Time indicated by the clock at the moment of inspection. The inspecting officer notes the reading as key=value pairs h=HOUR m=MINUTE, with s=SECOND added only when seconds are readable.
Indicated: h=1 m=11
